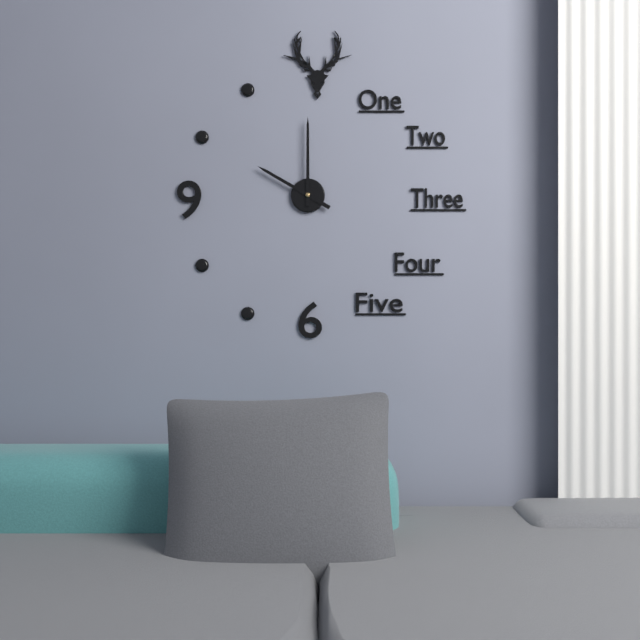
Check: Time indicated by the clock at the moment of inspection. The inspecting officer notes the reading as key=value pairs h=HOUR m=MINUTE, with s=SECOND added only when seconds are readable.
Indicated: h=10 m=0
